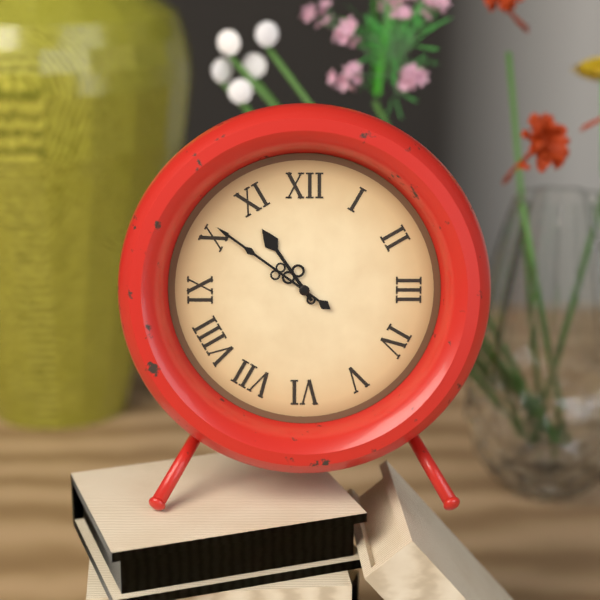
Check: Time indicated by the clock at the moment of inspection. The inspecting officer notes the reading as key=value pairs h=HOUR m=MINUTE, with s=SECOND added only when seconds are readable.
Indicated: h=10 m=51
